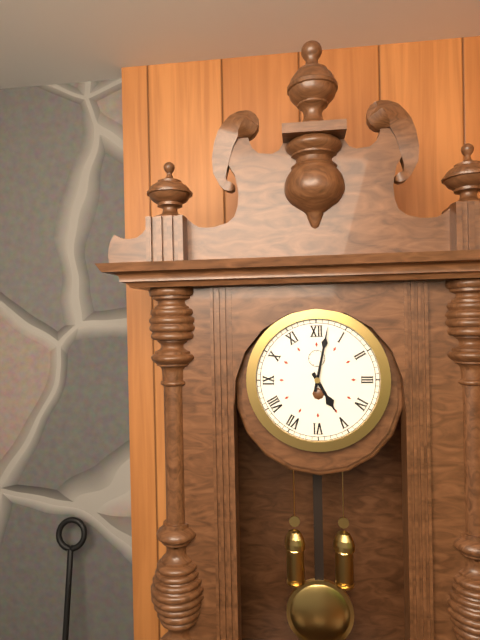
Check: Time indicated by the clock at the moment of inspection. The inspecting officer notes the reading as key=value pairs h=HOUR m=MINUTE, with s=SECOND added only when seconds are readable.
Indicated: h=5 m=2
